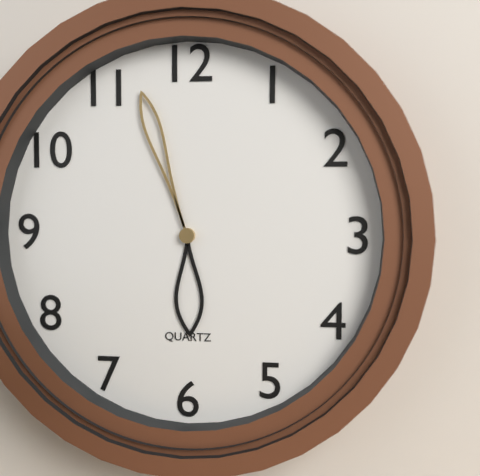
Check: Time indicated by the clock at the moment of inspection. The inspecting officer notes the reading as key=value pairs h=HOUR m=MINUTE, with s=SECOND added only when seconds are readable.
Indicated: h=5 m=57
